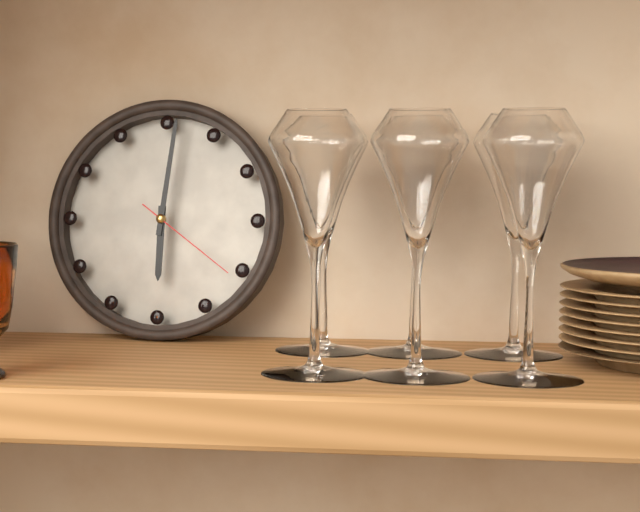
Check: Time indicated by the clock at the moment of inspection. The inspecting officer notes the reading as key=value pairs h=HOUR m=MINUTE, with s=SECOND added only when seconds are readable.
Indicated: h=6 m=1 s=21
